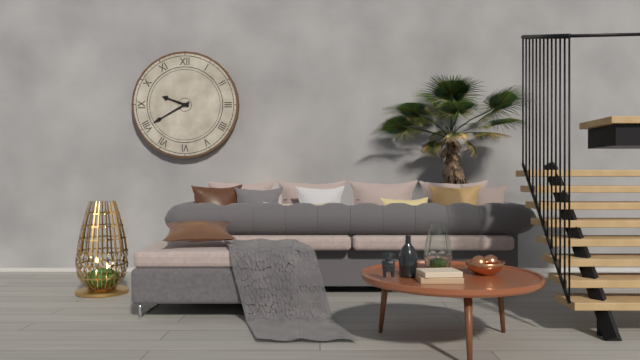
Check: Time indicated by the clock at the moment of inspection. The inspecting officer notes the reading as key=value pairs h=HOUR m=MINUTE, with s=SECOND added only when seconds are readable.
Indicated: h=9 m=40
